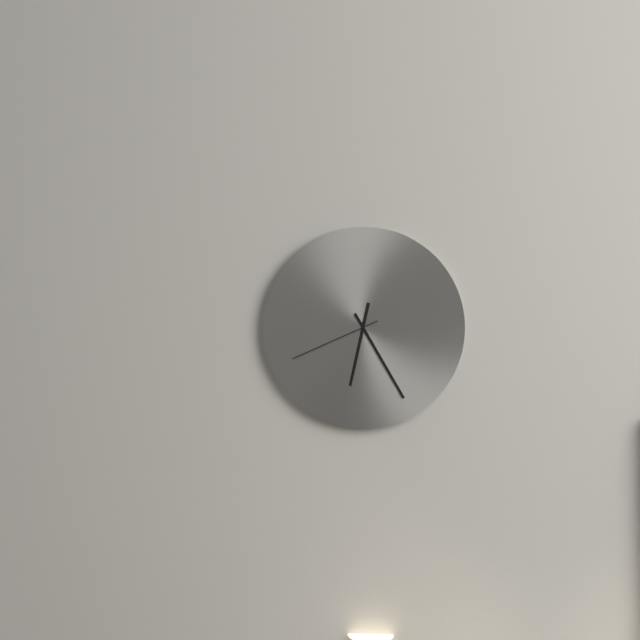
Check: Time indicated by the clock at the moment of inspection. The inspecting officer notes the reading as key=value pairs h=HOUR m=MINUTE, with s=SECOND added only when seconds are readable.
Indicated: h=6 m=25 s=41
